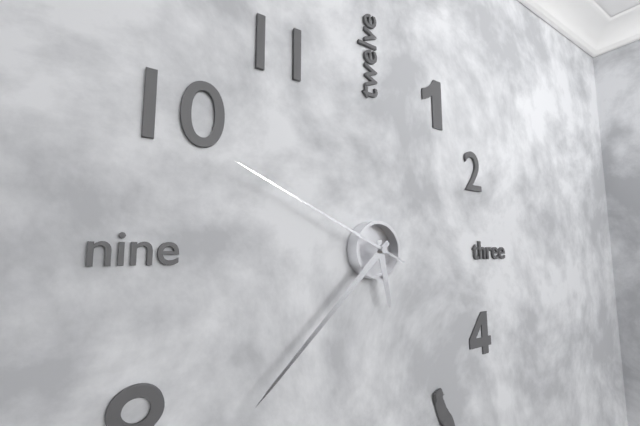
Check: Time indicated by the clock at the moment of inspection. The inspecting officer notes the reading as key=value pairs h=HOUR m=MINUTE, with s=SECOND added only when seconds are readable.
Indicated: h=5 m=38 s=49
